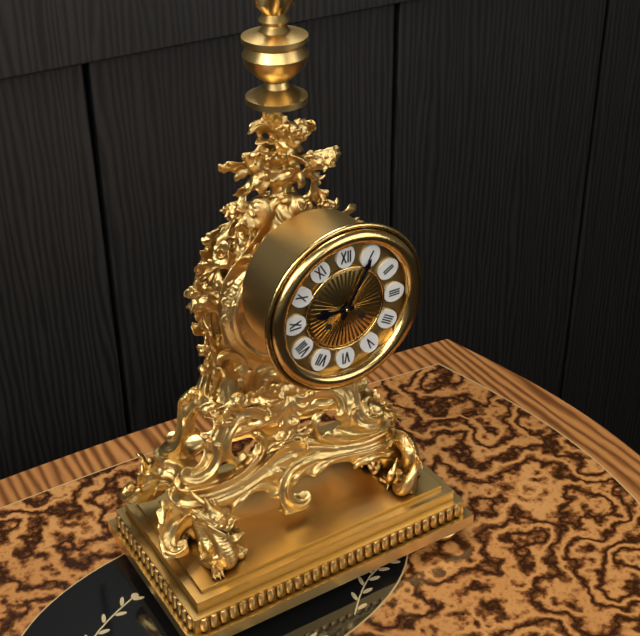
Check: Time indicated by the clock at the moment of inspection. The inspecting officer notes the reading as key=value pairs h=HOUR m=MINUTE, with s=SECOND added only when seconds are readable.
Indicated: h=9 m=5
